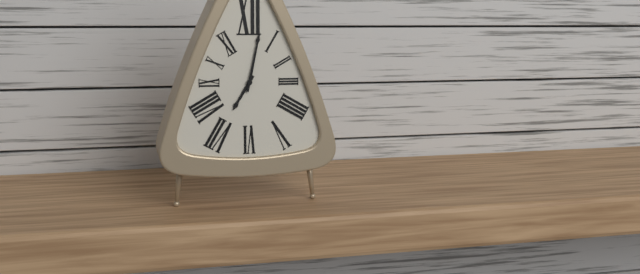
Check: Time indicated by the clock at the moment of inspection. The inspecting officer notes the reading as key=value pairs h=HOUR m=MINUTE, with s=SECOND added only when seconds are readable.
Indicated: h=7 m=2
